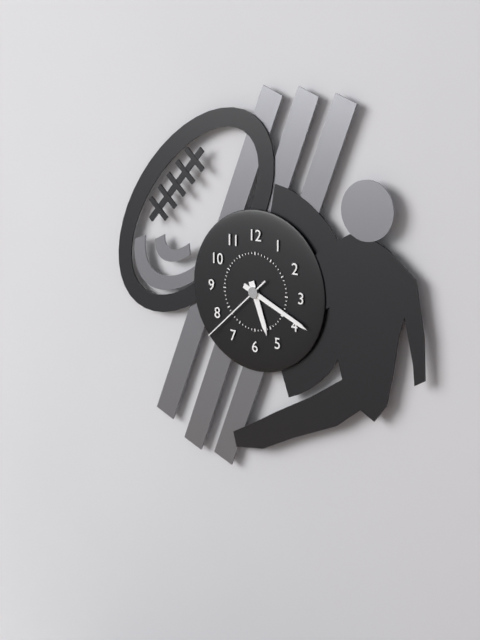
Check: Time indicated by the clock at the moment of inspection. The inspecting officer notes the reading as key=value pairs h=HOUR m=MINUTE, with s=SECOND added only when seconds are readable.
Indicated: h=5 m=19 s=38
